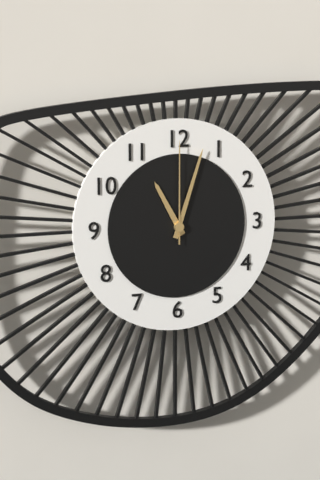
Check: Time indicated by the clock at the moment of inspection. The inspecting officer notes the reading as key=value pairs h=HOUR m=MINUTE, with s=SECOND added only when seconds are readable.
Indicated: h=11 m=3 s=0
